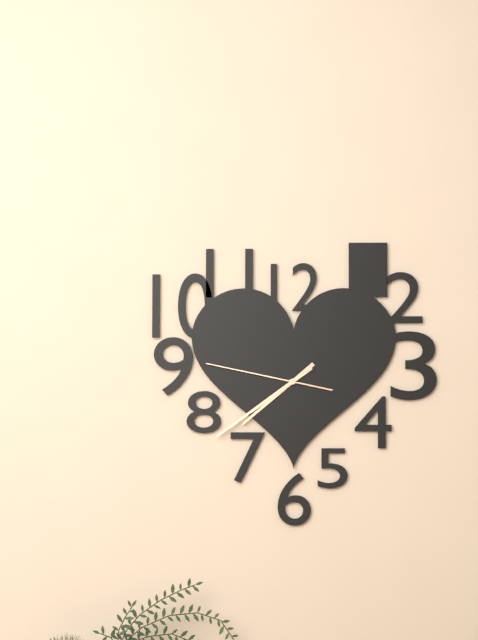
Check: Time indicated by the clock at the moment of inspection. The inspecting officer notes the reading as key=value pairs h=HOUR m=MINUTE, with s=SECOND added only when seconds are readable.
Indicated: h=7 m=39 s=47
